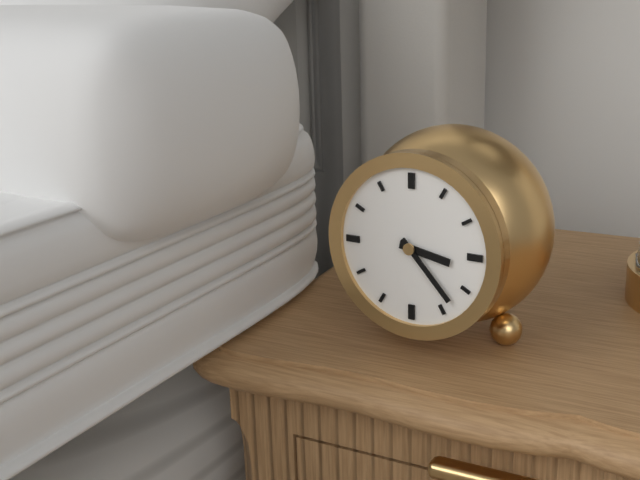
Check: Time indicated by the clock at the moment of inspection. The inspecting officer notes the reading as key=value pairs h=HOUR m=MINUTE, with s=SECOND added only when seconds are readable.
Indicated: h=3 m=23
